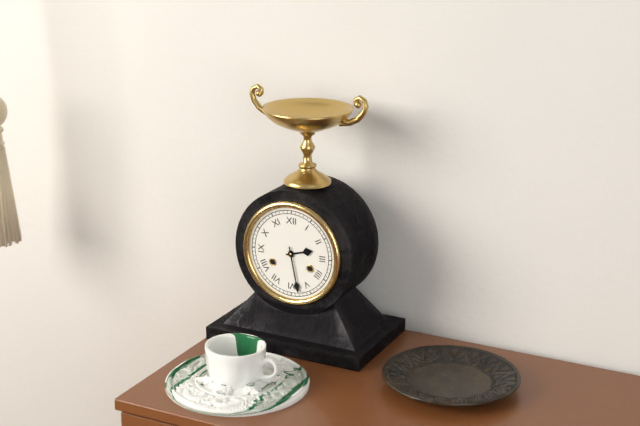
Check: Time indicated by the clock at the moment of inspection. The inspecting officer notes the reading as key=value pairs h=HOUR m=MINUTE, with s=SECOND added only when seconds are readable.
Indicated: h=2 m=28
